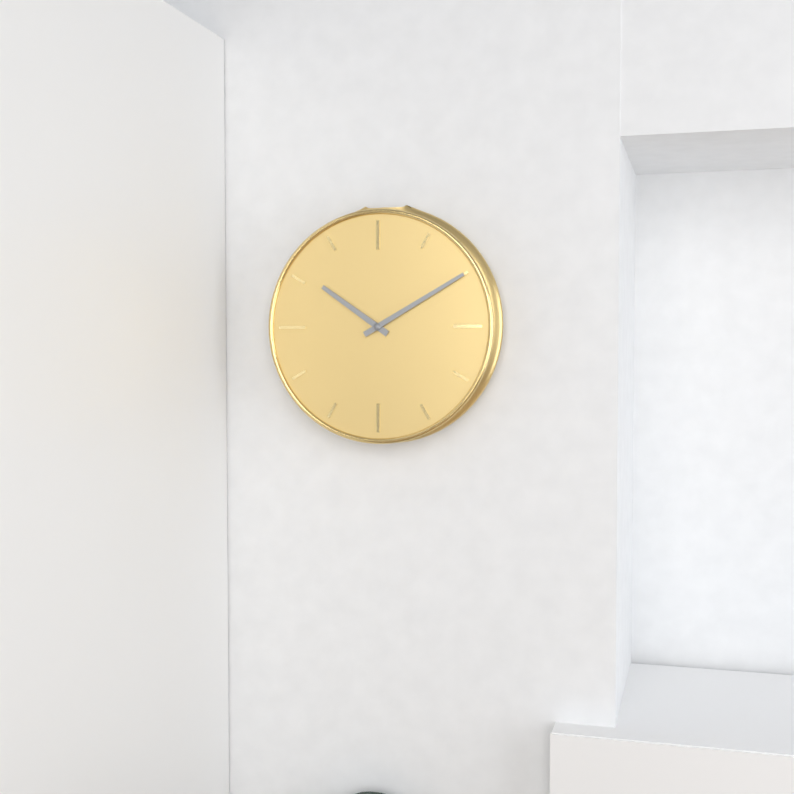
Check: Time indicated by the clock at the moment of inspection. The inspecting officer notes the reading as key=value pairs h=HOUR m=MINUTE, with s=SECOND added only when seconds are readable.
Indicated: h=10 m=10
